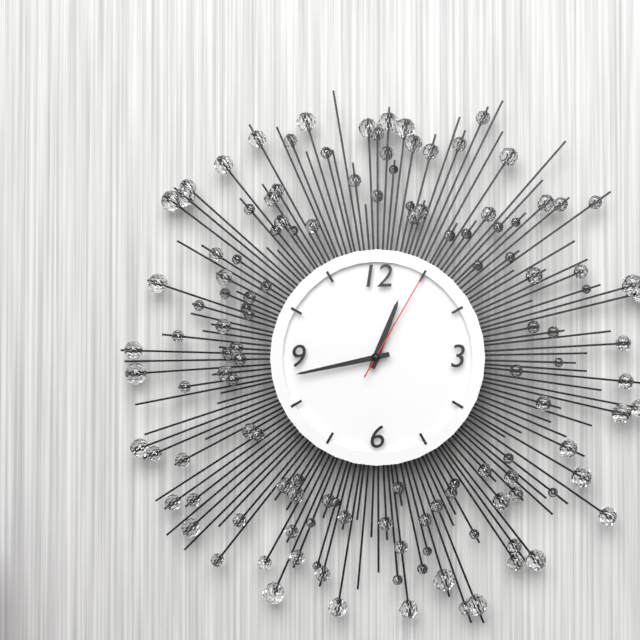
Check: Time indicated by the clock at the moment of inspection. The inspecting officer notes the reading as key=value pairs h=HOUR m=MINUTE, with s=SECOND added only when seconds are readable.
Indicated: h=12 m=43 s=5
